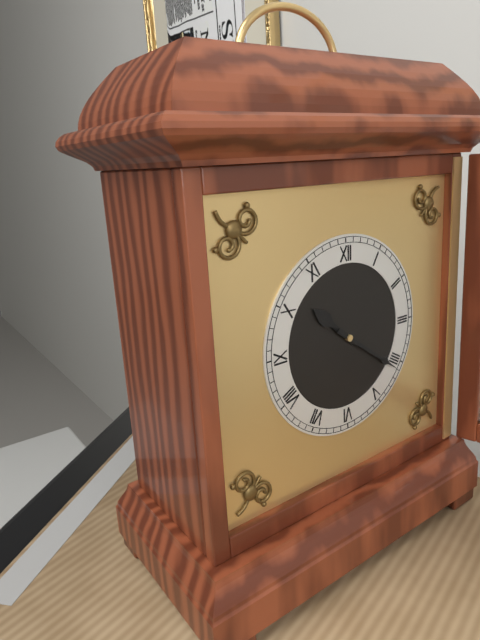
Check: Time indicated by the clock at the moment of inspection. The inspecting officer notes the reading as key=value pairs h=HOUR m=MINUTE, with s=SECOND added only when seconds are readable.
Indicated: h=10 m=21
